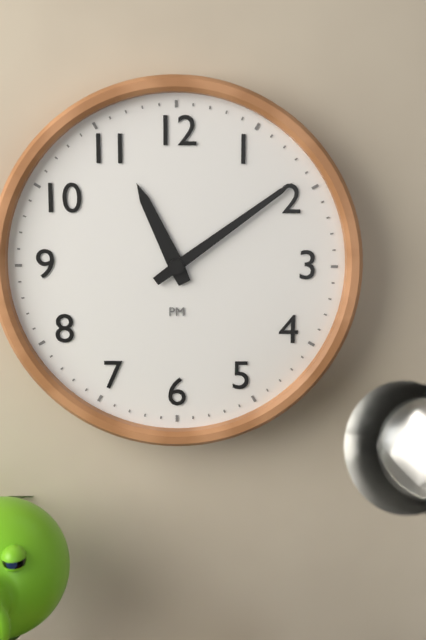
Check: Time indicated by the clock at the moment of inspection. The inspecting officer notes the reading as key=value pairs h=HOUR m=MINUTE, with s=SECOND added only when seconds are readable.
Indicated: h=11 m=9
